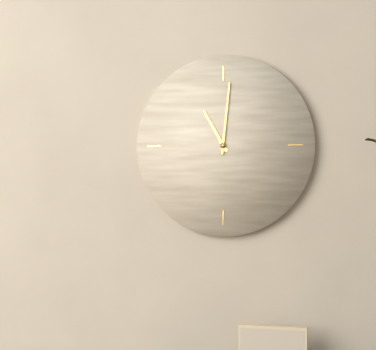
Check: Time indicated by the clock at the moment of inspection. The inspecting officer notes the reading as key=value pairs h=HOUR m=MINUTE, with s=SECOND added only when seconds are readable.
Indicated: h=11 m=1
